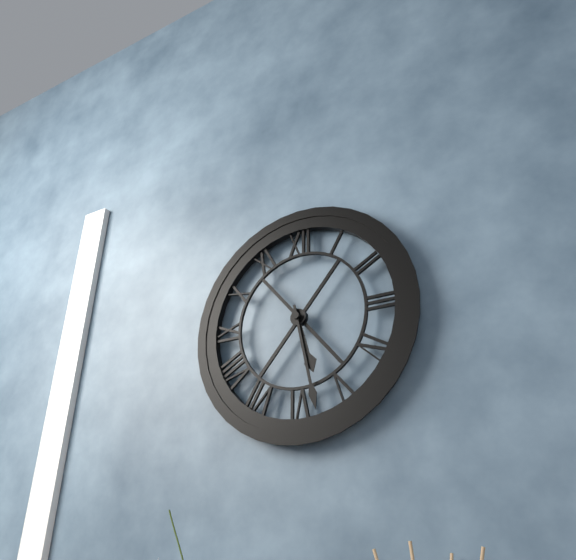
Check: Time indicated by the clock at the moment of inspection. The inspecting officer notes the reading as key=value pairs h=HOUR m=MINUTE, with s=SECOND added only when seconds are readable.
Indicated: h=5 m=28
